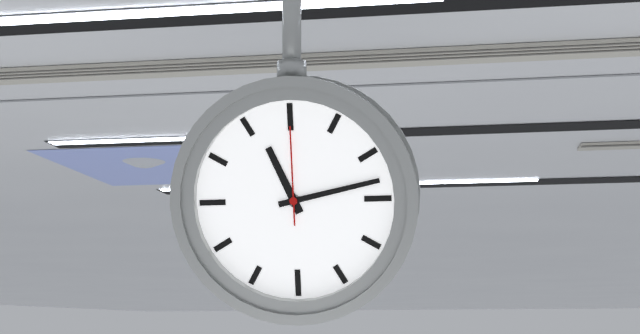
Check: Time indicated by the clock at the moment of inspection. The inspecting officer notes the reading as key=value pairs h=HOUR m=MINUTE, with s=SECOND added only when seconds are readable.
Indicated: h=11 m=13 s=0
